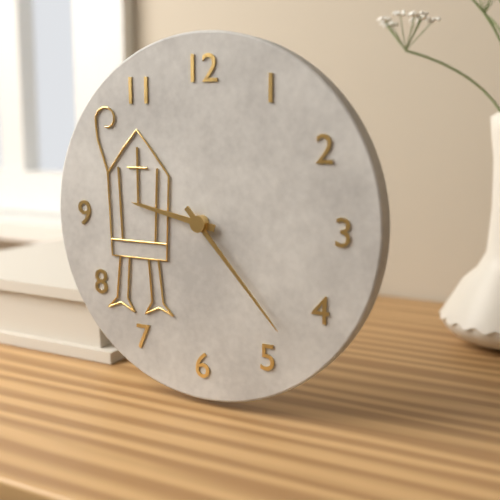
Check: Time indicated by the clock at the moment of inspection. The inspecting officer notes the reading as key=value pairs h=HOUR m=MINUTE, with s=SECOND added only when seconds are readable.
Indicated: h=9 m=23
